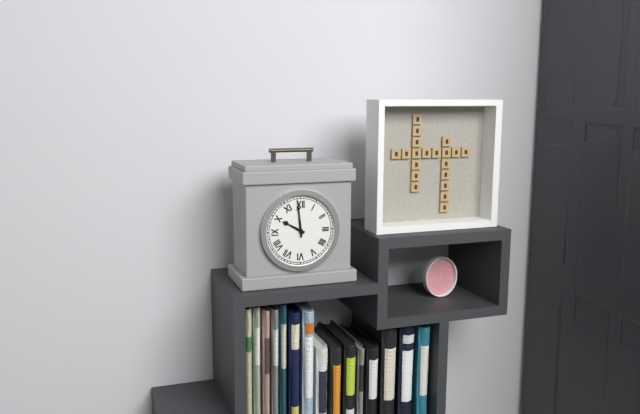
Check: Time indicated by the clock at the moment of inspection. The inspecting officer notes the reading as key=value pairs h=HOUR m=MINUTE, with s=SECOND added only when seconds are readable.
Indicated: h=9 m=59
